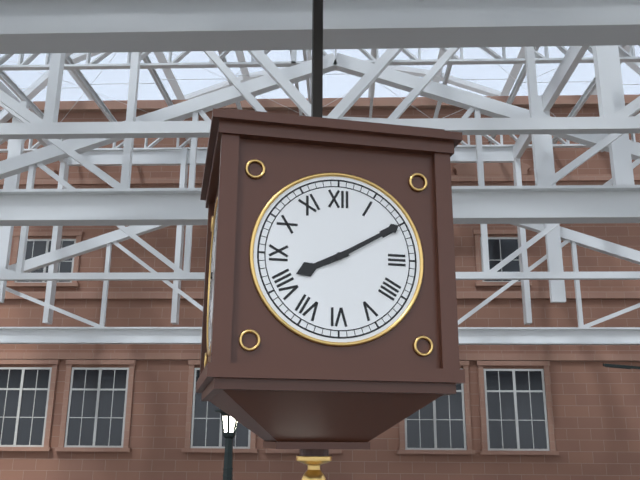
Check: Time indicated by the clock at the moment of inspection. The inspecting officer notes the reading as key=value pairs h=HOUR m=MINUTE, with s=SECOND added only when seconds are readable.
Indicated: h=8 m=10
